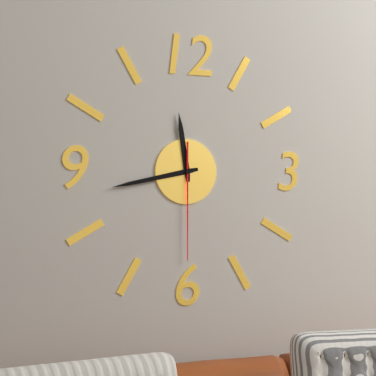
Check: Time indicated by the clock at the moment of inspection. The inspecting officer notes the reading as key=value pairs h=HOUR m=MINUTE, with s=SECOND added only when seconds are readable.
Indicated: h=11 m=43 s=30
